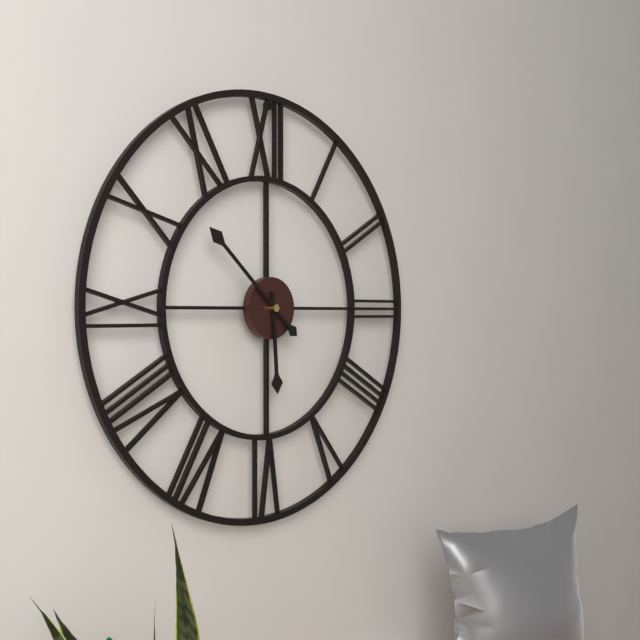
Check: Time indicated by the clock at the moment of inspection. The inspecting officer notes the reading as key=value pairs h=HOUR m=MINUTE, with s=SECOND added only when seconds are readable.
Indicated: h=5 m=52
